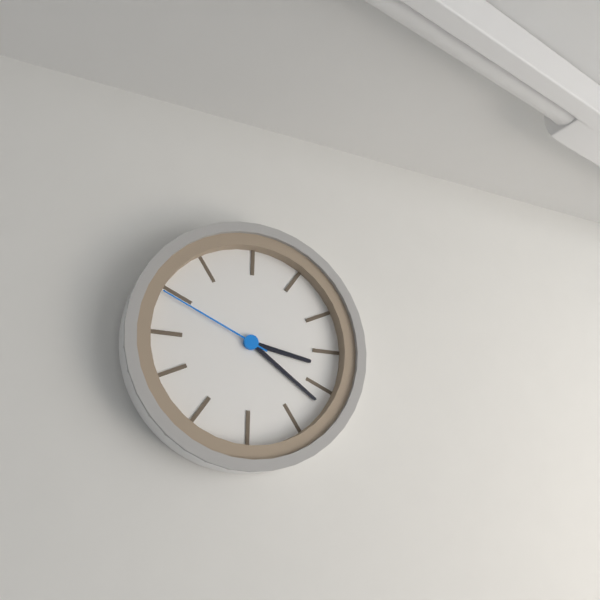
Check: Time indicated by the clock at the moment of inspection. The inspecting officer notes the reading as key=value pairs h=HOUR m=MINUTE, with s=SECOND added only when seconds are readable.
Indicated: h=3 m=21 s=49
